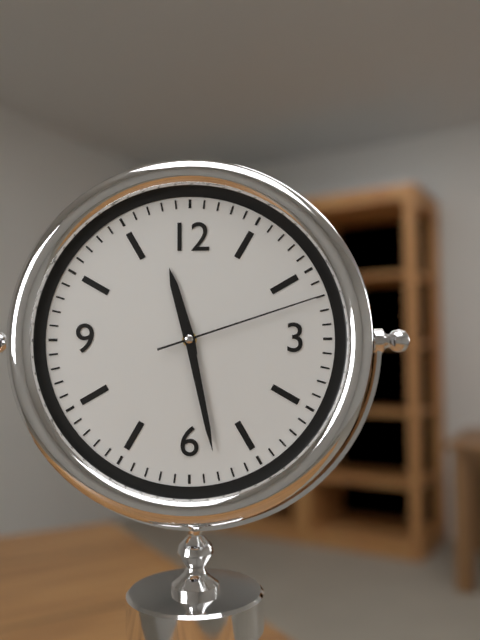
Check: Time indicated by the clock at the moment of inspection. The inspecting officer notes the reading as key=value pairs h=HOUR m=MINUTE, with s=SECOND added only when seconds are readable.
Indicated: h=11 m=28 s=12
